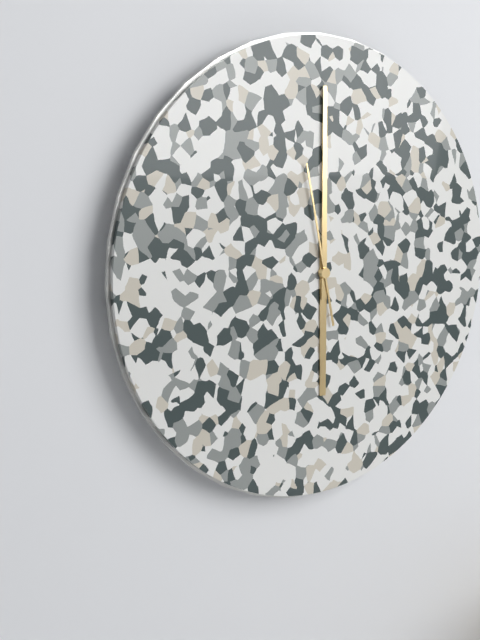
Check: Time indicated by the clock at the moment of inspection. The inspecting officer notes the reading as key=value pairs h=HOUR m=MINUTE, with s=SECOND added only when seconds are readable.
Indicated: h=6 m=0 s=58
